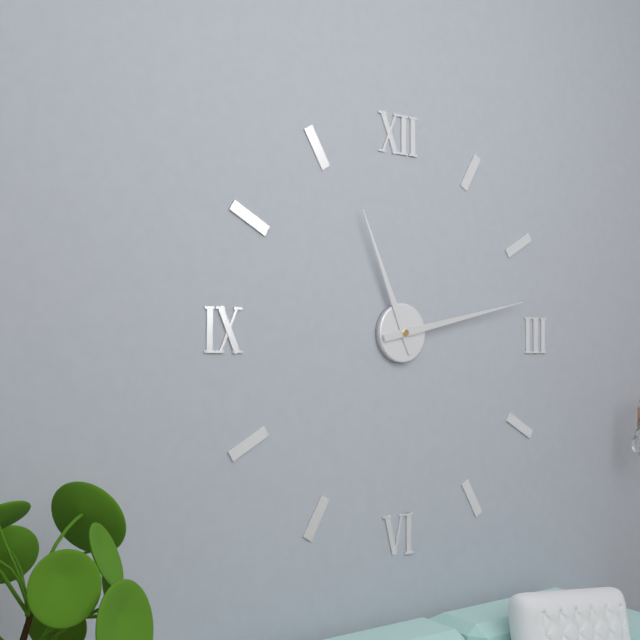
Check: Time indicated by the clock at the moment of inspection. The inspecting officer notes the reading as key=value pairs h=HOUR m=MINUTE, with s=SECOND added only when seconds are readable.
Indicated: h=11 m=13
